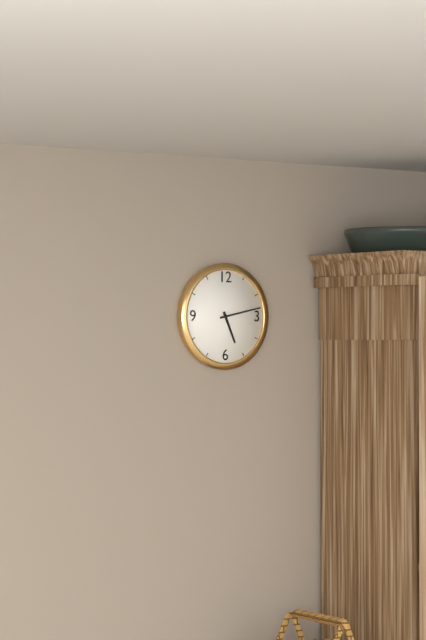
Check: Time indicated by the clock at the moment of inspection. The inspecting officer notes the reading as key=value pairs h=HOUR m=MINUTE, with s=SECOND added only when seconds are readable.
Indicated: h=5 m=13
